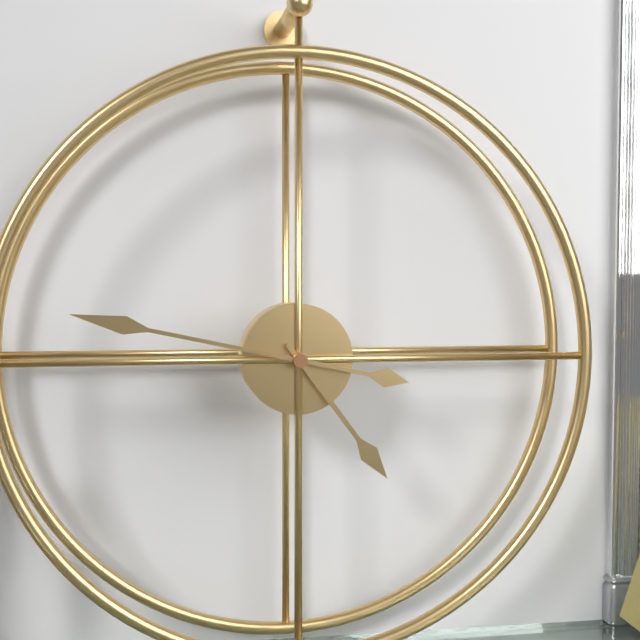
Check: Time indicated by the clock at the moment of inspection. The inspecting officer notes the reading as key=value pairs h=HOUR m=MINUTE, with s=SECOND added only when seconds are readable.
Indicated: h=4 m=47
